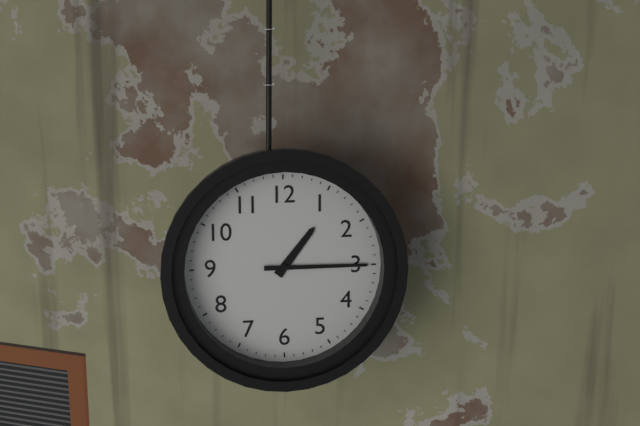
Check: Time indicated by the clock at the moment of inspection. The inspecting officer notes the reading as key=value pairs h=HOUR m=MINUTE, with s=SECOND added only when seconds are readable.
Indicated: h=1 m=15
